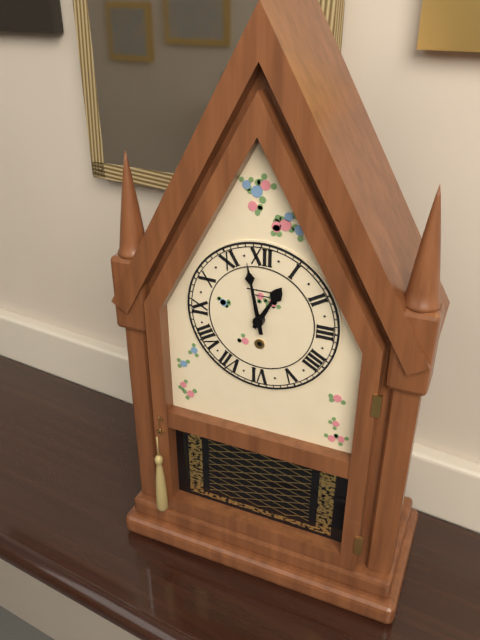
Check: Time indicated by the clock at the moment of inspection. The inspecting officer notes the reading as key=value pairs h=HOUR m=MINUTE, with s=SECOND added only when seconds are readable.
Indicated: h=12 m=58
